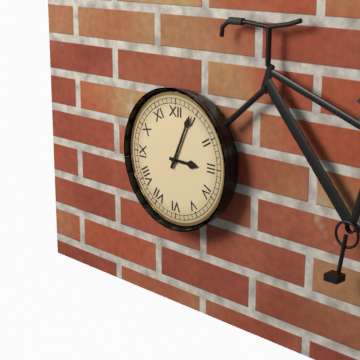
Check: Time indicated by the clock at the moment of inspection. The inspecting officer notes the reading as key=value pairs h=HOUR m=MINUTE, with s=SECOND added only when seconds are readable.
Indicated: h=3 m=4
